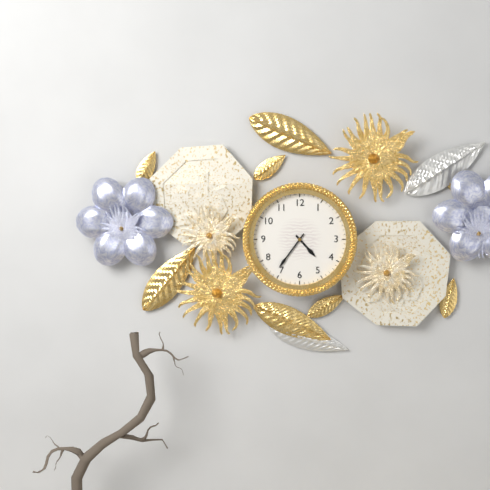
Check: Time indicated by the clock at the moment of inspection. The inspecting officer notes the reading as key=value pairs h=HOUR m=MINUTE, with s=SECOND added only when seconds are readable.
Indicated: h=4 m=36
